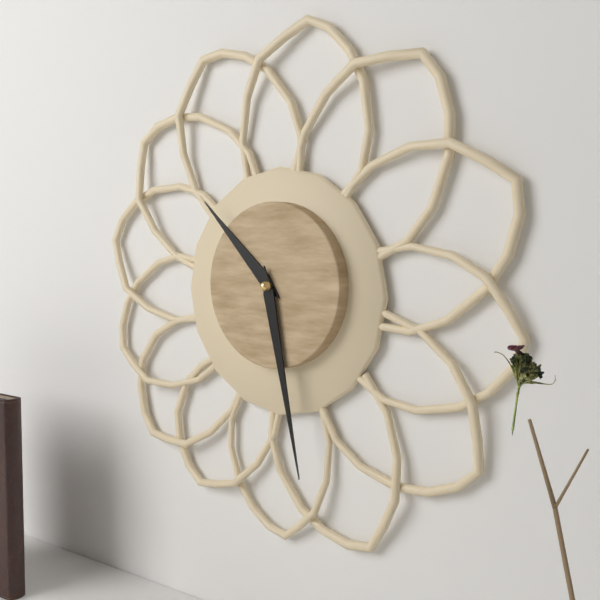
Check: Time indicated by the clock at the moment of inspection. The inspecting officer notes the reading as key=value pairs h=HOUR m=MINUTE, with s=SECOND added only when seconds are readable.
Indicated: h=10 m=28
